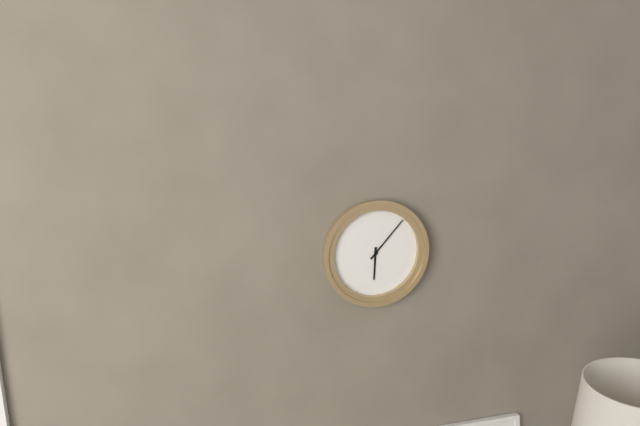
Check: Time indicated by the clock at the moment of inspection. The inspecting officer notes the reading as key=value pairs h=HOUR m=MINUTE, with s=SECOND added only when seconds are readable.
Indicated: h=6 m=7
